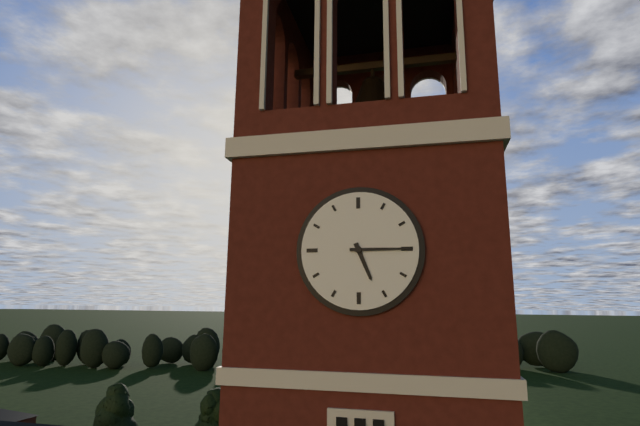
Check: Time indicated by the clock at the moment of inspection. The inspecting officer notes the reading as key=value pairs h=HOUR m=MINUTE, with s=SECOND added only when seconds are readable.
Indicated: h=5 m=15
